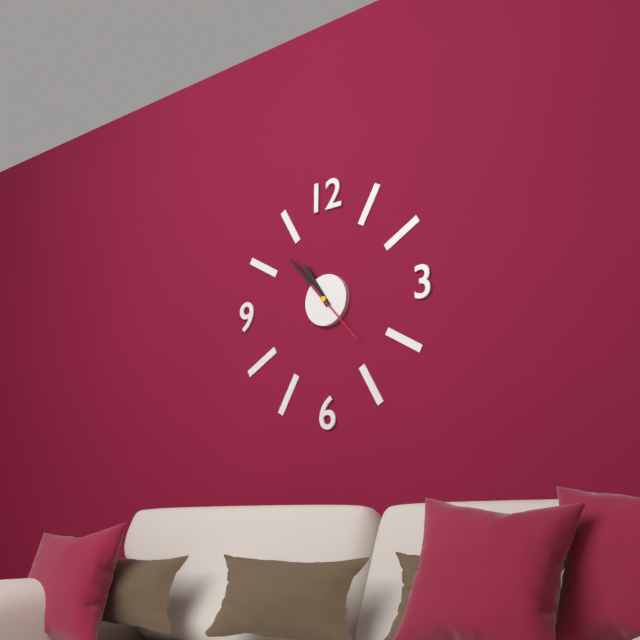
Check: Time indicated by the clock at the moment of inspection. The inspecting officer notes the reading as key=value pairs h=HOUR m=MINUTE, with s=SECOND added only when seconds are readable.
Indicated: h=10 m=53 s=23
